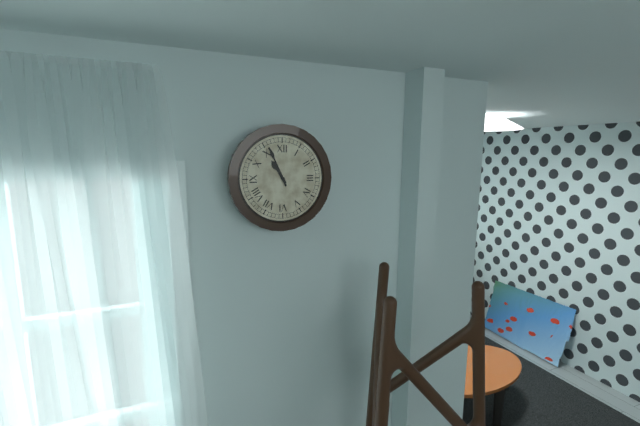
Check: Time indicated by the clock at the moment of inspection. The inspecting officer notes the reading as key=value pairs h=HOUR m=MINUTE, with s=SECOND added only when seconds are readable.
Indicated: h=10 m=56
